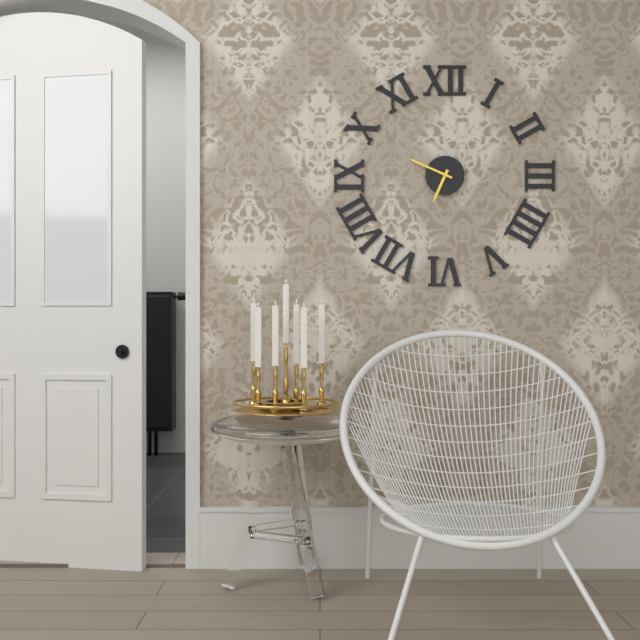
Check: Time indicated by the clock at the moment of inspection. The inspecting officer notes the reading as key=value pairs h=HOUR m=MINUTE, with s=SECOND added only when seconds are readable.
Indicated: h=6 m=49
